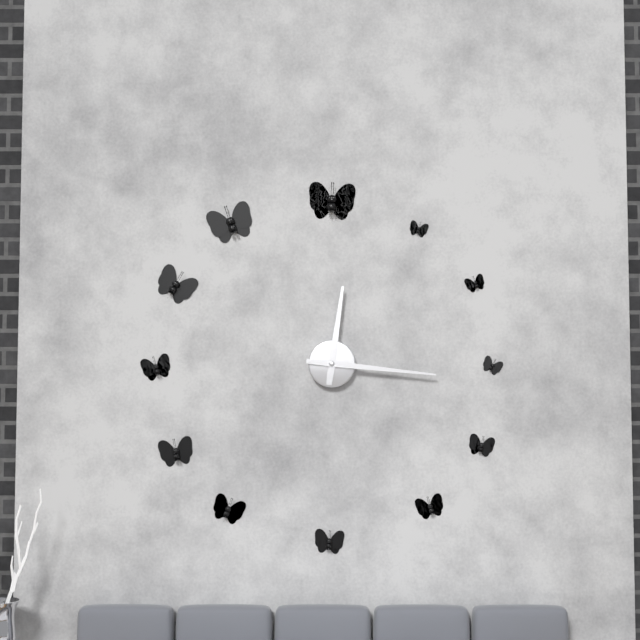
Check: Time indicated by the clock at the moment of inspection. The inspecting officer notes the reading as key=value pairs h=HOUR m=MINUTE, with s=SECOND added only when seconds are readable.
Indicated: h=12 m=16
